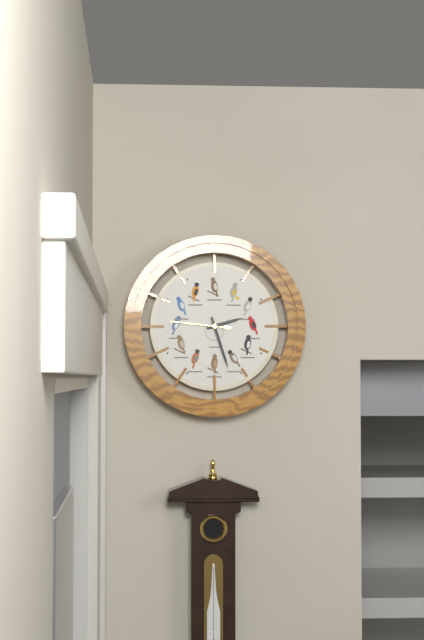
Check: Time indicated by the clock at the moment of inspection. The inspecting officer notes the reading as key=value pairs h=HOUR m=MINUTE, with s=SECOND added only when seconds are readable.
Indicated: h=2 m=27 s=46
